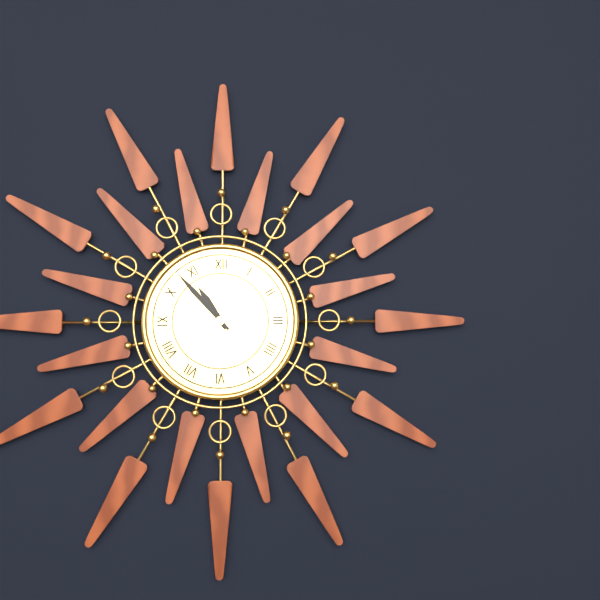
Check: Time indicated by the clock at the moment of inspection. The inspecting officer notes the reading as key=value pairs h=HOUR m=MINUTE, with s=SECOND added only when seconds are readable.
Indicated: h=10 m=53
